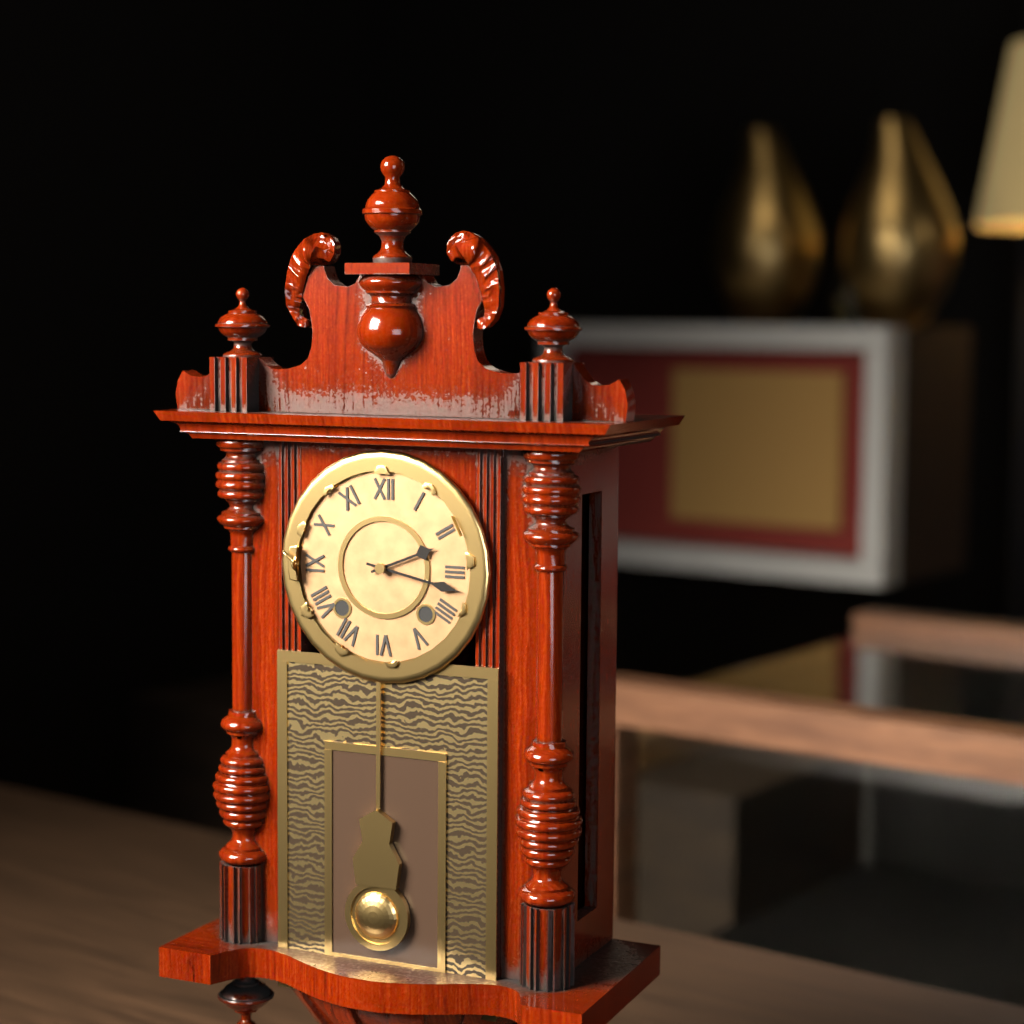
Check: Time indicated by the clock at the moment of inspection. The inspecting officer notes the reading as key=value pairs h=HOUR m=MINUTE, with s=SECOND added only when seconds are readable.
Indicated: h=2 m=17
